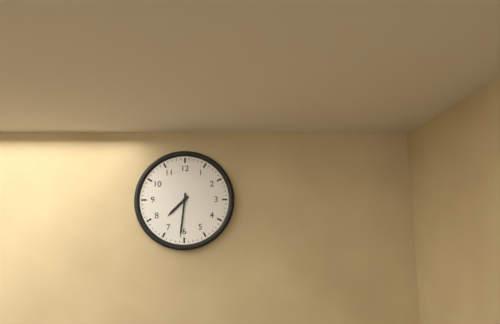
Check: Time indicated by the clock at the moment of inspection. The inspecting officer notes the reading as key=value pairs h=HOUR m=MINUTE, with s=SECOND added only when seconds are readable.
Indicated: h=7 m=31
